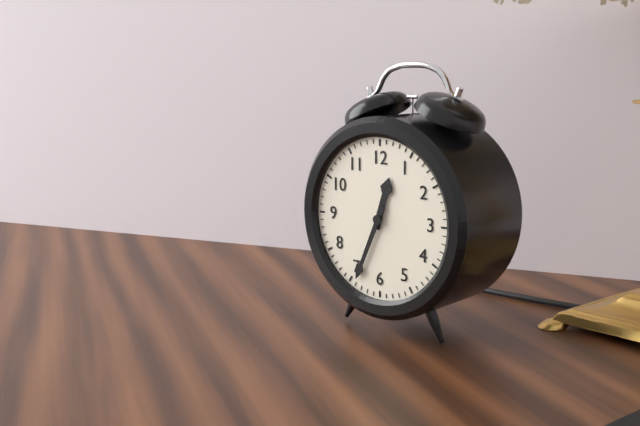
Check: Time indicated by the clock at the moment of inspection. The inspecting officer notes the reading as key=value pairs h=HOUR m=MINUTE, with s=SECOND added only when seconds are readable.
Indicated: h=12 m=34
